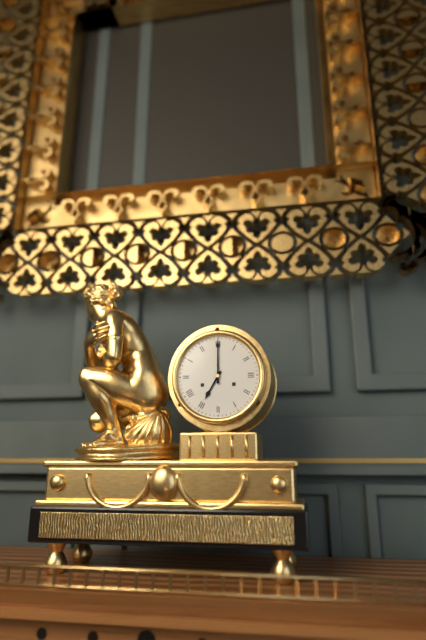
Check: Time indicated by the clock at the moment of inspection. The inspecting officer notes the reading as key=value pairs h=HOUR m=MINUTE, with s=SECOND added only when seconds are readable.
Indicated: h=7 m=0
